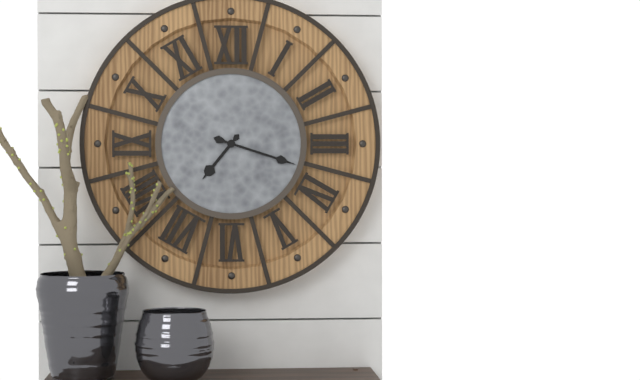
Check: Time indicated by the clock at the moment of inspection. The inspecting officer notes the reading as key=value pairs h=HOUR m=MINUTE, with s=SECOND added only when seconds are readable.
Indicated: h=7 m=18
